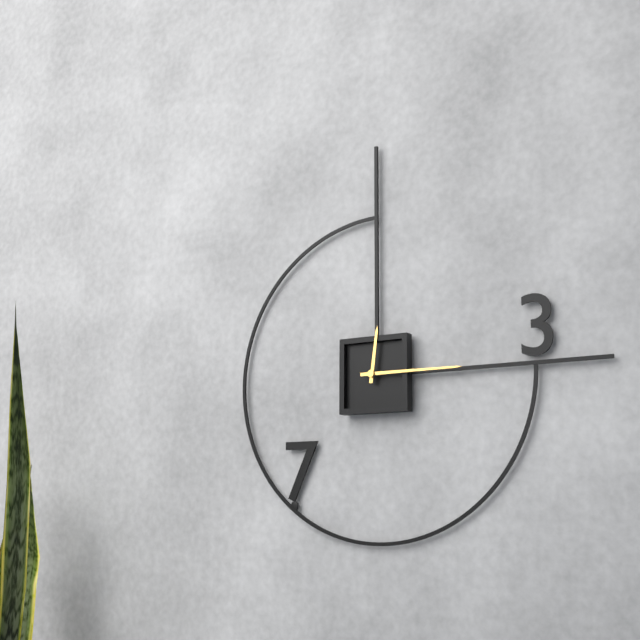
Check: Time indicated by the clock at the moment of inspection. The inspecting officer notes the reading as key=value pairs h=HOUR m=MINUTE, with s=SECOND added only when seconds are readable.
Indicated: h=12 m=15
